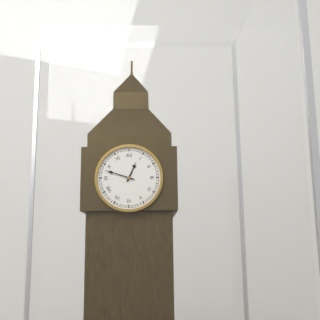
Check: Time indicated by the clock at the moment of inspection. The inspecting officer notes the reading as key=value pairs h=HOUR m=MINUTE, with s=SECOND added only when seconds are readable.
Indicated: h=12 m=48
